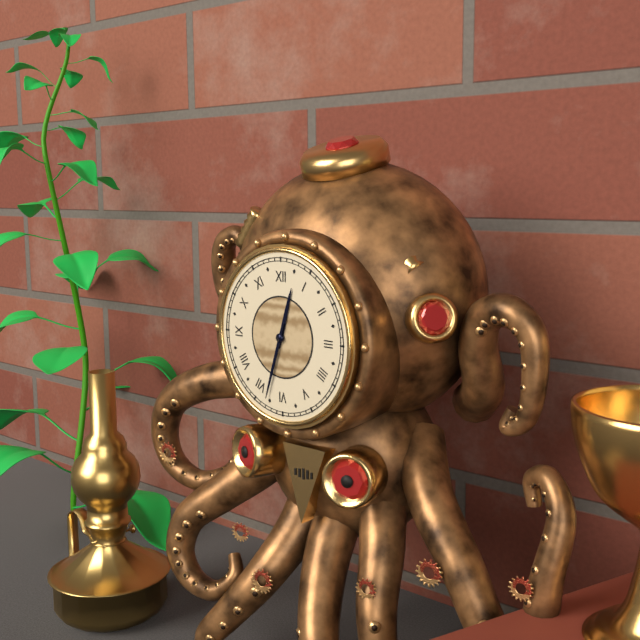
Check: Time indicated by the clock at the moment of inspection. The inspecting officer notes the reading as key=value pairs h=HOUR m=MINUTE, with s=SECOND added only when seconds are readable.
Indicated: h=12 m=33
